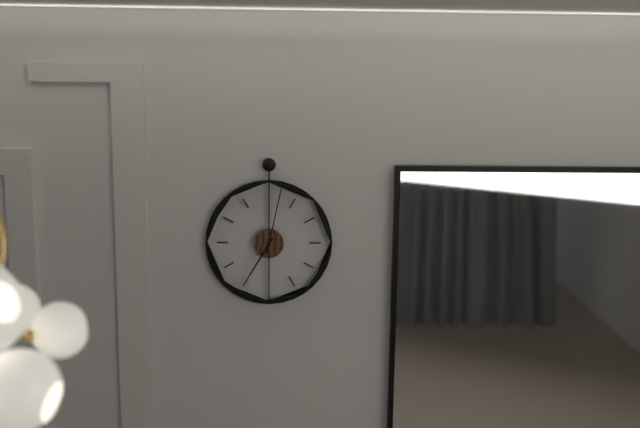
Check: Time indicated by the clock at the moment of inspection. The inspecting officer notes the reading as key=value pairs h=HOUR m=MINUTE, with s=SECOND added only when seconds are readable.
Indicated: h=7 m=2
